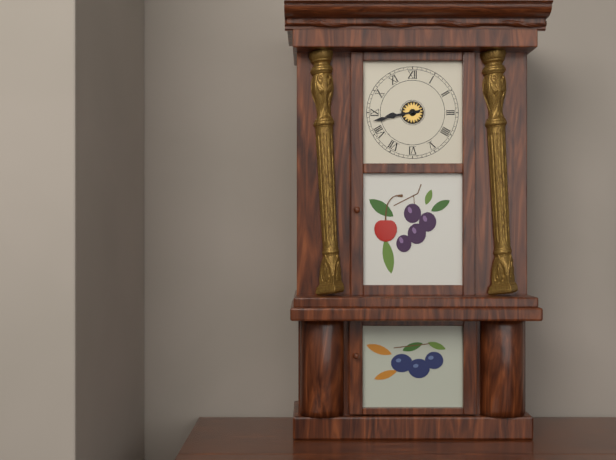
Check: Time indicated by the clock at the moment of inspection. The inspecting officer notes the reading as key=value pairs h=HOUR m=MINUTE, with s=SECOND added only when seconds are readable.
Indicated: h=8 m=43
